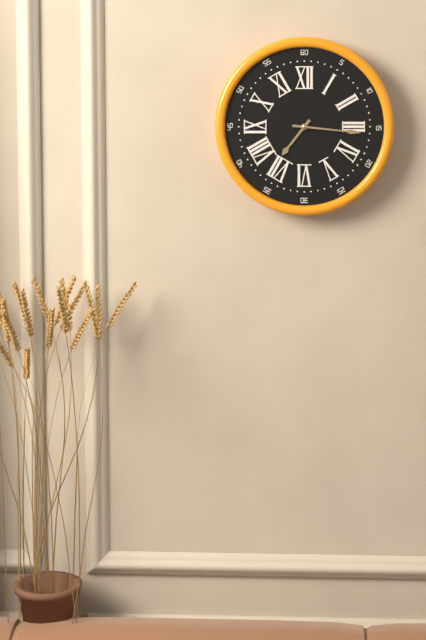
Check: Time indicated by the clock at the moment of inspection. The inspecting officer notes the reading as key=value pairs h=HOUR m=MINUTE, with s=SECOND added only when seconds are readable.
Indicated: h=7 m=16
